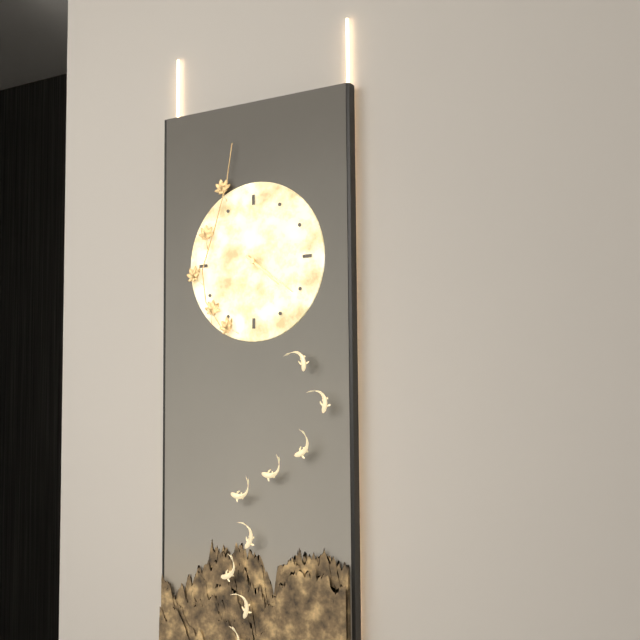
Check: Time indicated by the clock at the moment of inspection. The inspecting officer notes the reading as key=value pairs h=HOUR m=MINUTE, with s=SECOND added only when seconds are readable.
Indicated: h=4 m=21
